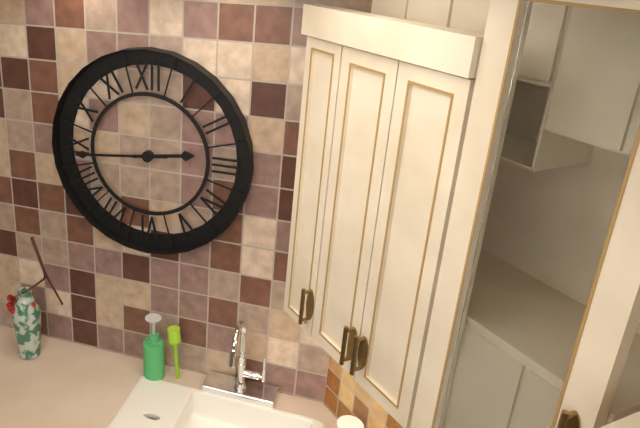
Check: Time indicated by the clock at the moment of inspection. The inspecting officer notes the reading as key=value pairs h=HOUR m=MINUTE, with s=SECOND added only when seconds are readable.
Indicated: h=2 m=44
